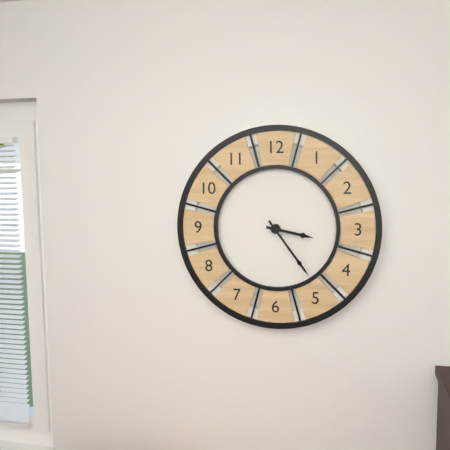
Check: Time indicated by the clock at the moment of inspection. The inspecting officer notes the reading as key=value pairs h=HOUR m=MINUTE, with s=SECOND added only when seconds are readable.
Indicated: h=3 m=24
